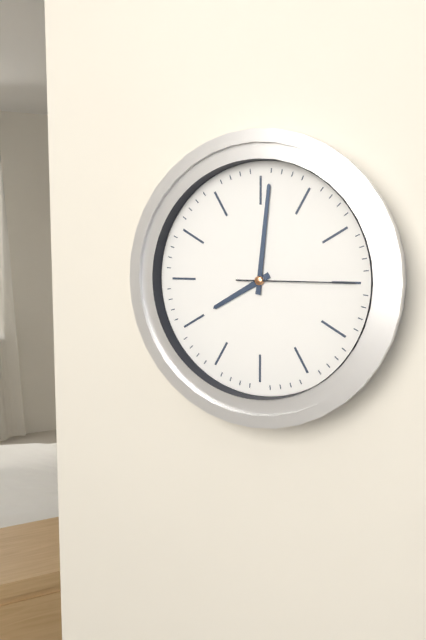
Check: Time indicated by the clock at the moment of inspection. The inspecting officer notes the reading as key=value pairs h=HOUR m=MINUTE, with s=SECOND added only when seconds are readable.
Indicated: h=8 m=1 s=15
